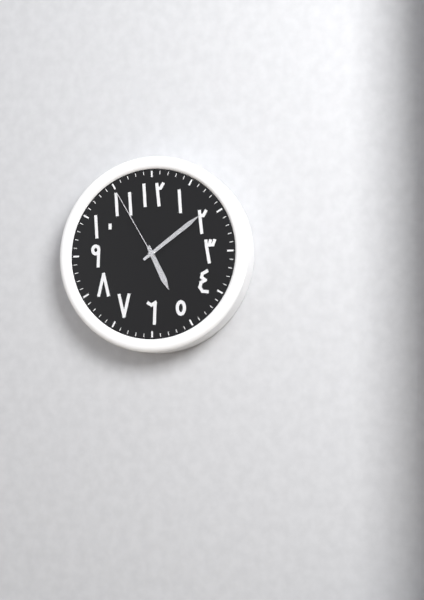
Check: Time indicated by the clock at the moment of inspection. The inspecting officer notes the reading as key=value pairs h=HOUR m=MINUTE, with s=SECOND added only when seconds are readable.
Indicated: h=5 m=9 s=55
